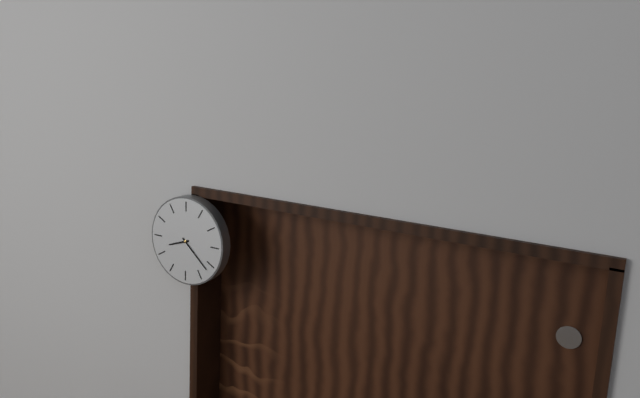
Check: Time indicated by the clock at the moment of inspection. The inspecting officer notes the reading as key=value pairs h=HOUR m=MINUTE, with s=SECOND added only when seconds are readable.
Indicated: h=8 m=22
